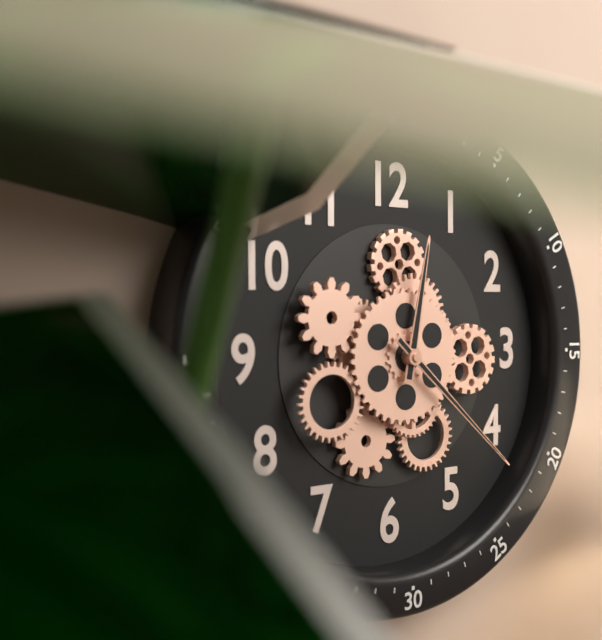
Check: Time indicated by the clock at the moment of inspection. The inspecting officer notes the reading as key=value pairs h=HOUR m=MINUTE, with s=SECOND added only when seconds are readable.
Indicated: h=12 m=22
